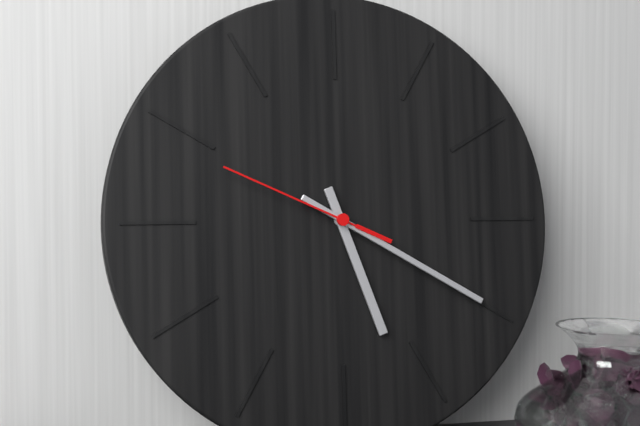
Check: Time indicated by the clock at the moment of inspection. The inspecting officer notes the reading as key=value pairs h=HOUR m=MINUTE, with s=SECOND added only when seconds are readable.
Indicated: h=5 m=20 s=49
